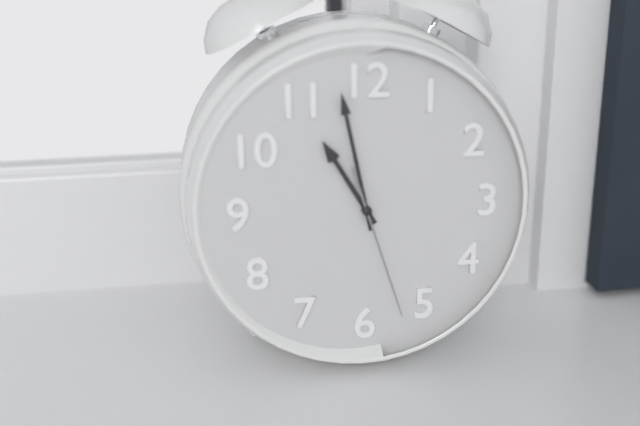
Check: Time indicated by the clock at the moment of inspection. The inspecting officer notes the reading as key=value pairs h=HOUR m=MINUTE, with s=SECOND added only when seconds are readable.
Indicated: h=10 m=58 s=27
